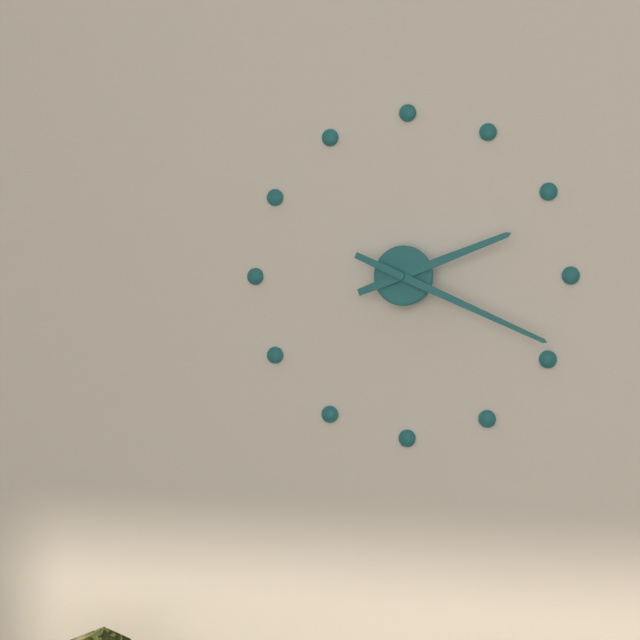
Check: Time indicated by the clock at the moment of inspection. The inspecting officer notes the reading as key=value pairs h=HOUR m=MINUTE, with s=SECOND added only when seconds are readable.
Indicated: h=2 m=19
